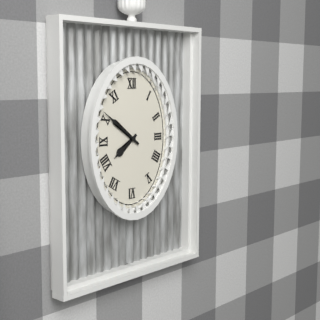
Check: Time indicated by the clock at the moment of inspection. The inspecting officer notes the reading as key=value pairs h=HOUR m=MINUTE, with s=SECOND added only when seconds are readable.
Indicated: h=7 m=51
